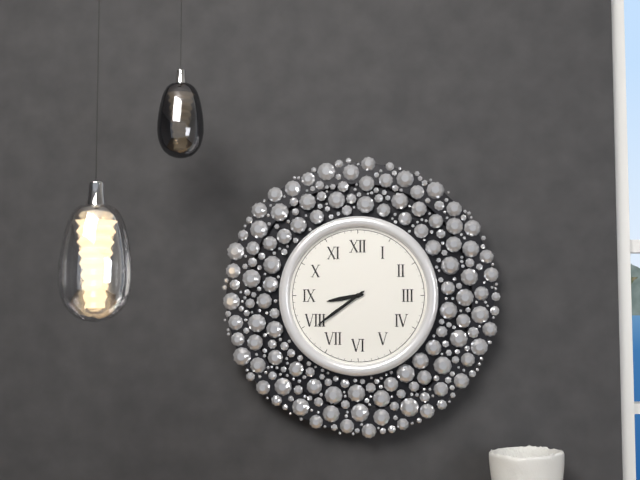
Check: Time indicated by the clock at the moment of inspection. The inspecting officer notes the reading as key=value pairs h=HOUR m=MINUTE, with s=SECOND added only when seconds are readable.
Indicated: h=8 m=39
